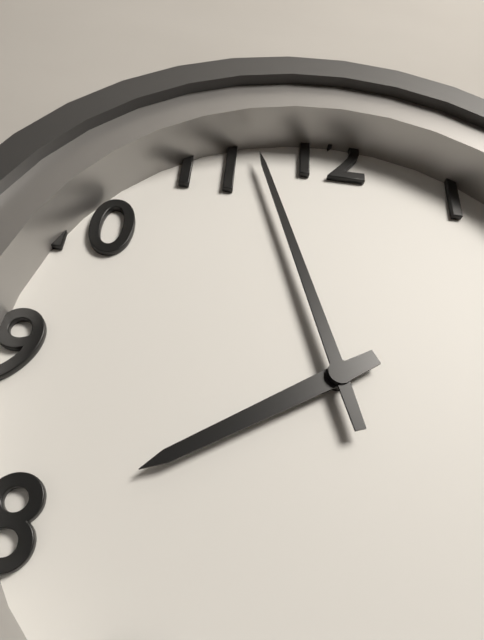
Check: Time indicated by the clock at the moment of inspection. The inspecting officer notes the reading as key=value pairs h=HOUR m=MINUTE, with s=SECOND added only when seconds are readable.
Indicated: h=7 m=57
